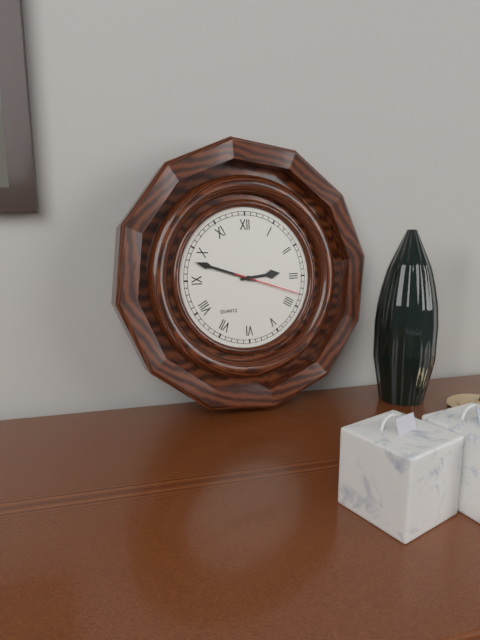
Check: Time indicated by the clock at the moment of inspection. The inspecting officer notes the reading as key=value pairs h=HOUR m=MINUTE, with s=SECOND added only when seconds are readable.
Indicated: h=2 m=48 s=18
